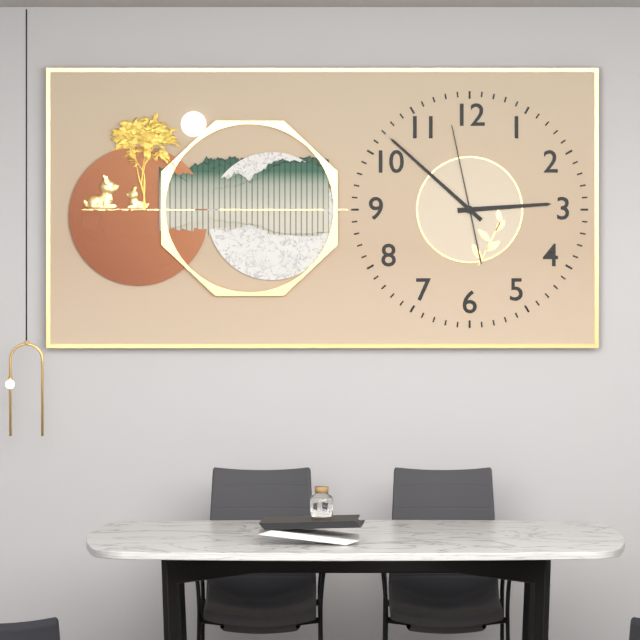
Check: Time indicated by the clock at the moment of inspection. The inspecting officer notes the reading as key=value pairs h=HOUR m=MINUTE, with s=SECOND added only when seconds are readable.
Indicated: h=2 m=52 s=58
